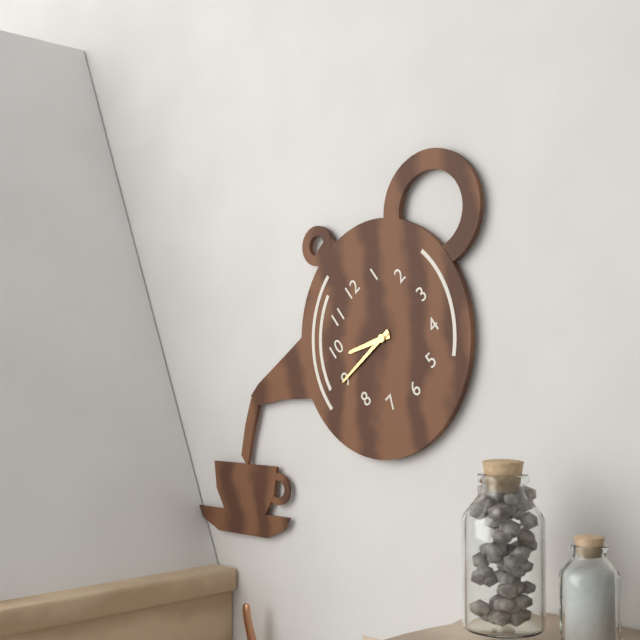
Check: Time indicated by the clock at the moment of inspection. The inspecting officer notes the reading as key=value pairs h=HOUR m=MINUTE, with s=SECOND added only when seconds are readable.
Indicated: h=9 m=45
